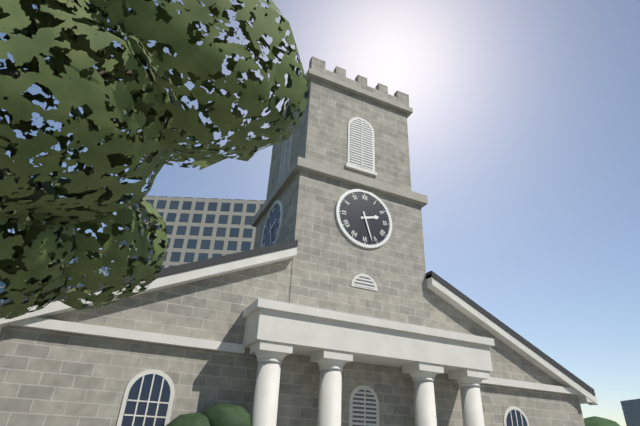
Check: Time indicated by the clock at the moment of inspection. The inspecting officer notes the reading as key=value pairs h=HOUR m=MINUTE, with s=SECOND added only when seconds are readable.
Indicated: h=2 m=27
